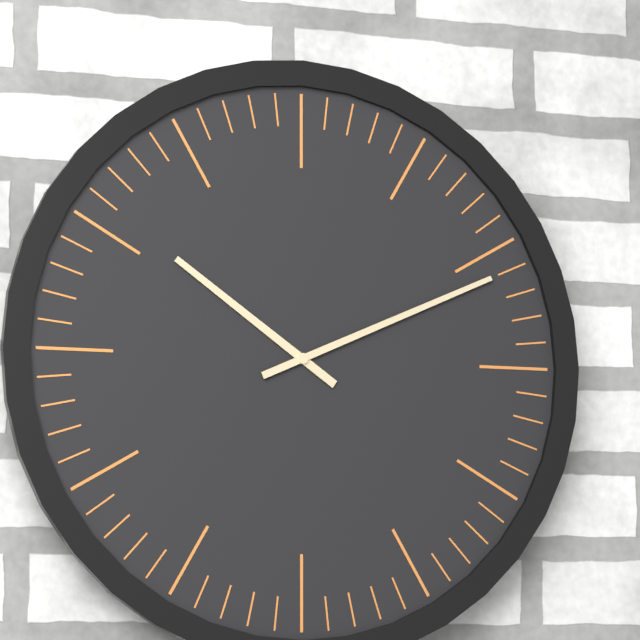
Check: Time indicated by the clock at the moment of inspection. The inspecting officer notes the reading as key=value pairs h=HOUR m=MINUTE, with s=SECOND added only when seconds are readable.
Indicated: h=10 m=11
